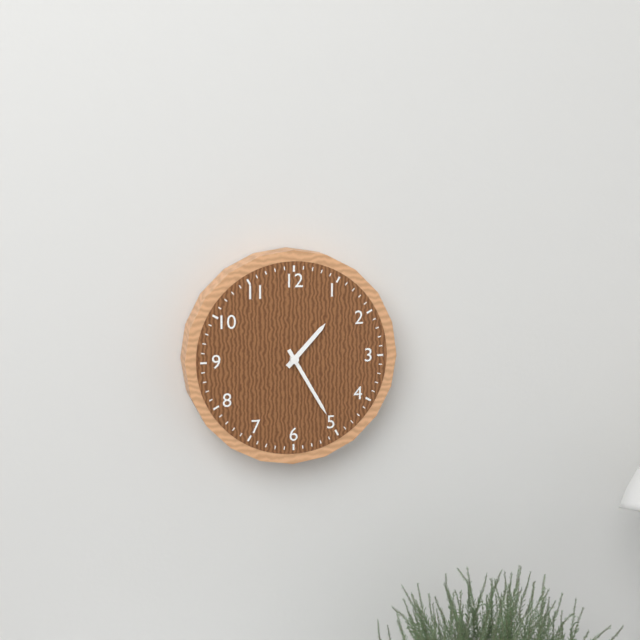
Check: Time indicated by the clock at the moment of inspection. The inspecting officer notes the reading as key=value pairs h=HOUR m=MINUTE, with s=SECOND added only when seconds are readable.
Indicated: h=1 m=25
